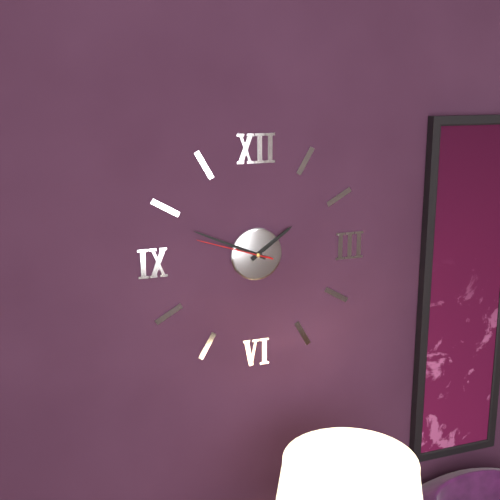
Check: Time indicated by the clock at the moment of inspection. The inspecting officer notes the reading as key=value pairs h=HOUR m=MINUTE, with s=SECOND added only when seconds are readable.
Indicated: h=1 m=49 s=48
